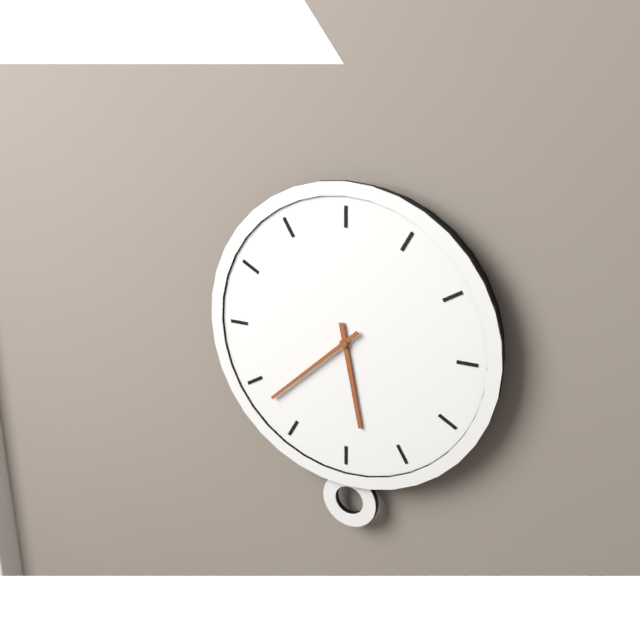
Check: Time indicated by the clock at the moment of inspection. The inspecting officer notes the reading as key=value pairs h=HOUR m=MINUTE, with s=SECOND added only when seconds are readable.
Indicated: h=5 m=38
